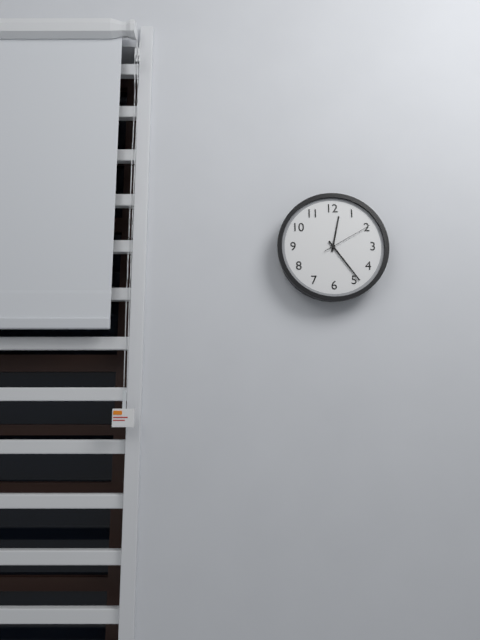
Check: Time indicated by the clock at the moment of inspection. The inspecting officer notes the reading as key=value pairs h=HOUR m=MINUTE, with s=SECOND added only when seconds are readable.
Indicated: h=12 m=24 s=10
